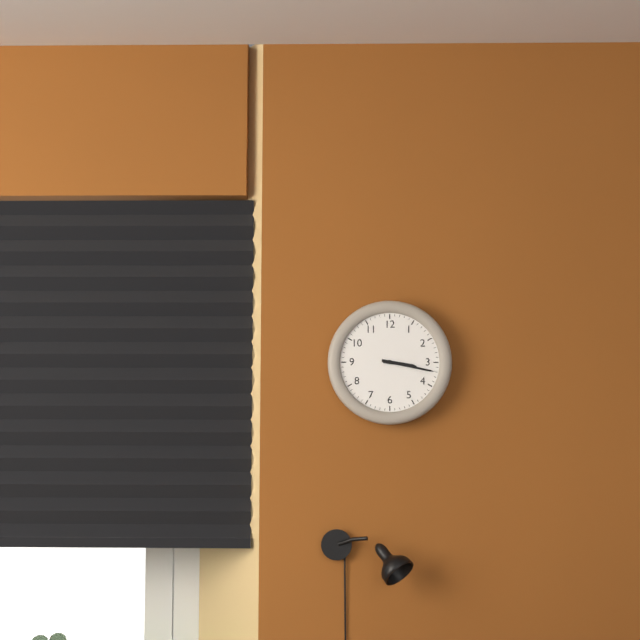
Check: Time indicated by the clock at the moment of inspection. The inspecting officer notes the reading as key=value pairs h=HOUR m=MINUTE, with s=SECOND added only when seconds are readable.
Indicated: h=3 m=17
